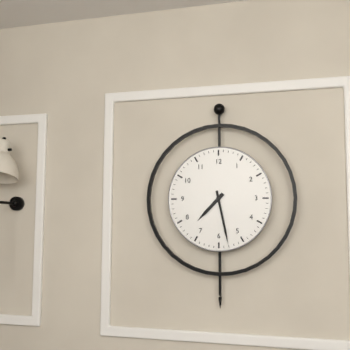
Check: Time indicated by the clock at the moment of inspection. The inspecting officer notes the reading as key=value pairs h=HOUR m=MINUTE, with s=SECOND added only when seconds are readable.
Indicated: h=7 m=28
